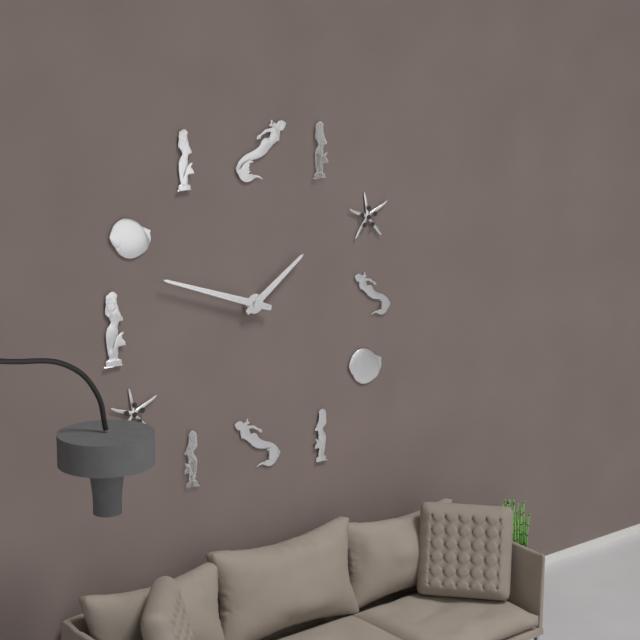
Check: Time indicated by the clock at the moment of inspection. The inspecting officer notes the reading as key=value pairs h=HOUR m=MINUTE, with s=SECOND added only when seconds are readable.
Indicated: h=1 m=48
